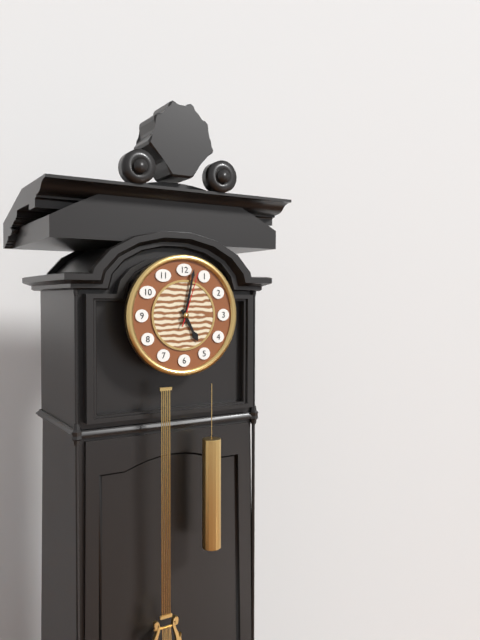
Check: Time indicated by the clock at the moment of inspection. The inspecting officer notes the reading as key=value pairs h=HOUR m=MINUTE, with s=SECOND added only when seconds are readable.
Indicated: h=5 m=2 s=3
